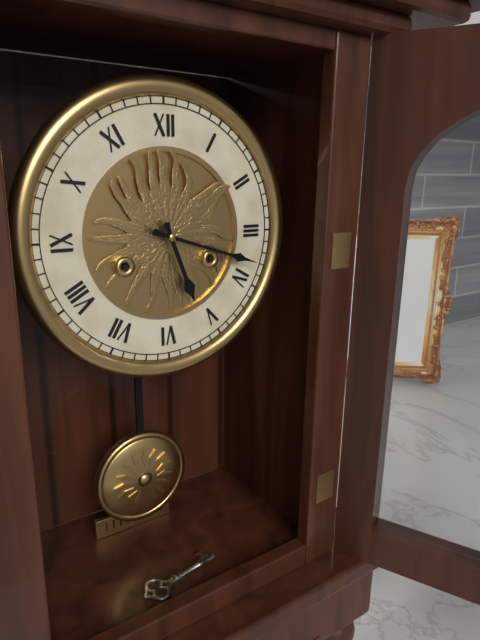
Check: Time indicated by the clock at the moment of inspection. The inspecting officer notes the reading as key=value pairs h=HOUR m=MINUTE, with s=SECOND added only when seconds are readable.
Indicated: h=5 m=18
